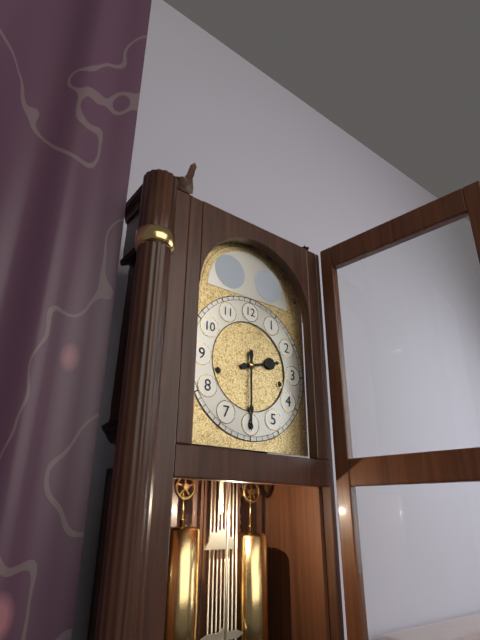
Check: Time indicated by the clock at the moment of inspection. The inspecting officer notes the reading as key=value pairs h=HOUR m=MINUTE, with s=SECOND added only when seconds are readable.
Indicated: h=2 m=30
